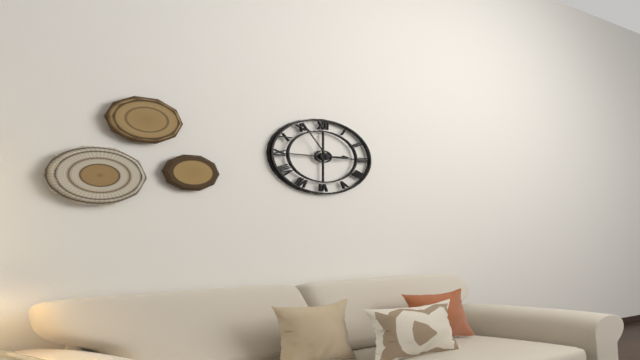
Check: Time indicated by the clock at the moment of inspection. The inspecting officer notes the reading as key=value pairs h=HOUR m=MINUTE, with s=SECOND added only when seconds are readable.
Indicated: h=2 m=55
